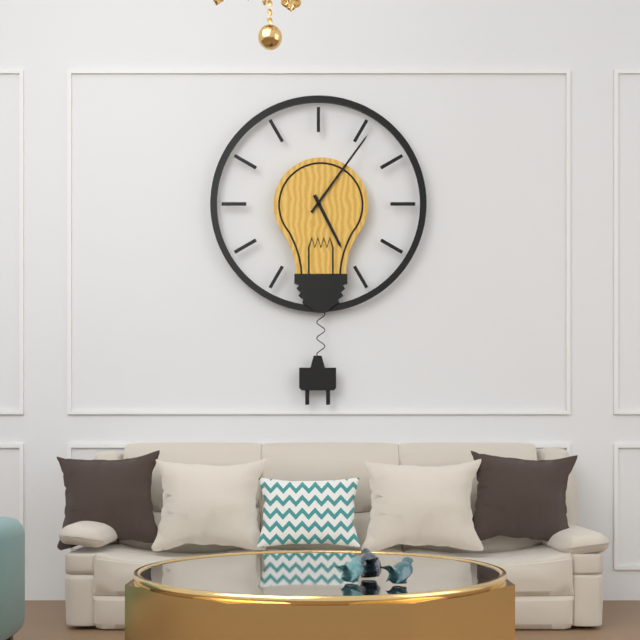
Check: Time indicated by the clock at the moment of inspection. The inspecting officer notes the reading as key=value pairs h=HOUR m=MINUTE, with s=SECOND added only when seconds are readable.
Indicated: h=5 m=6
